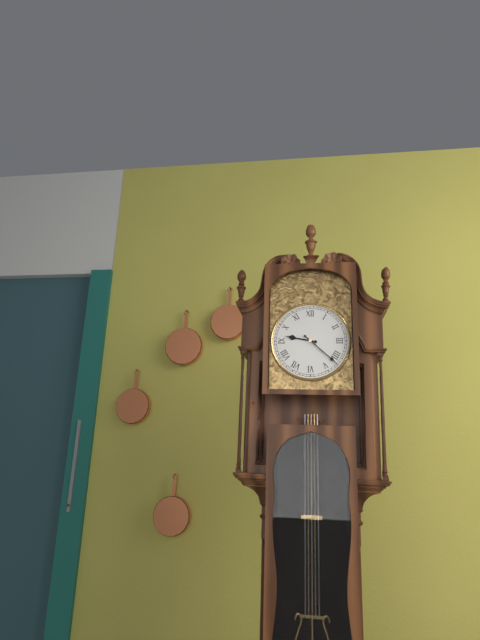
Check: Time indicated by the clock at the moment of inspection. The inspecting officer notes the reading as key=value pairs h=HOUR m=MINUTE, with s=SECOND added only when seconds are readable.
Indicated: h=9 m=22
